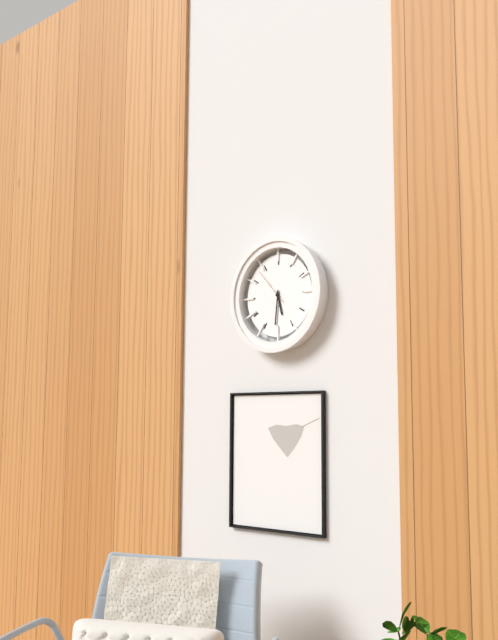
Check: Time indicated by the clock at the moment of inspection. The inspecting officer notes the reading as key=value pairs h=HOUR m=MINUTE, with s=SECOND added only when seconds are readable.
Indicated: h=5 m=31
